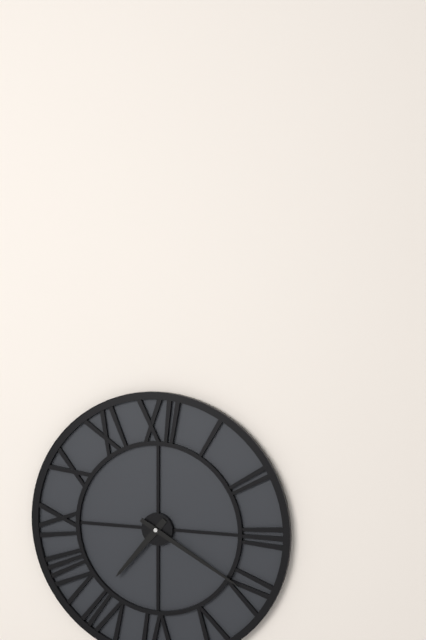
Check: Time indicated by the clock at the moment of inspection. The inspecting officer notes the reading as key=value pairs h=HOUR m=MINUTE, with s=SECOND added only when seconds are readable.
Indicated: h=7 m=20
